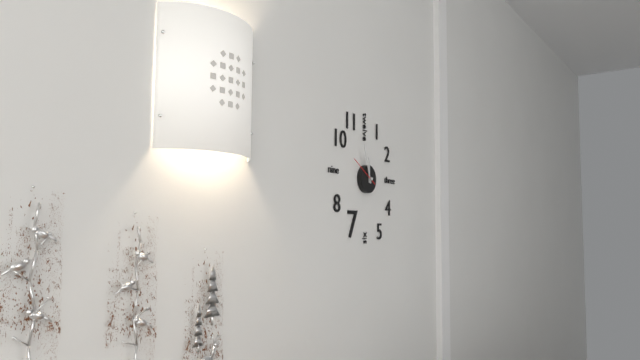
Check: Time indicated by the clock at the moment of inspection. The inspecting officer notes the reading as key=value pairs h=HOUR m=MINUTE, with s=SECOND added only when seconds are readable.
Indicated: h=11 m=57
